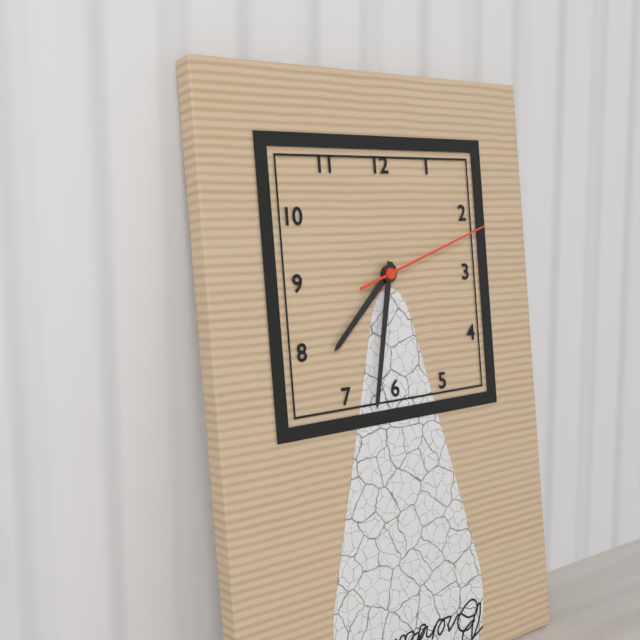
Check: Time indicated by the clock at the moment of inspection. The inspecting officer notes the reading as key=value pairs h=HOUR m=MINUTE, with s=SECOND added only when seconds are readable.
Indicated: h=7 m=32 s=12
